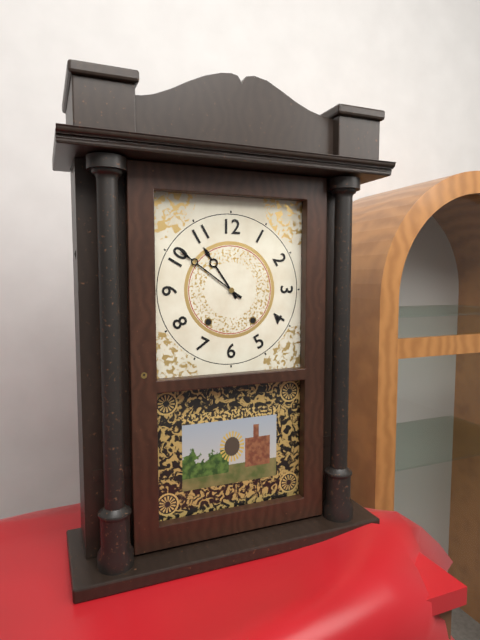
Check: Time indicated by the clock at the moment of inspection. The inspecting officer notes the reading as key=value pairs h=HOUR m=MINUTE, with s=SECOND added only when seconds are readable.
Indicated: h=10 m=51
